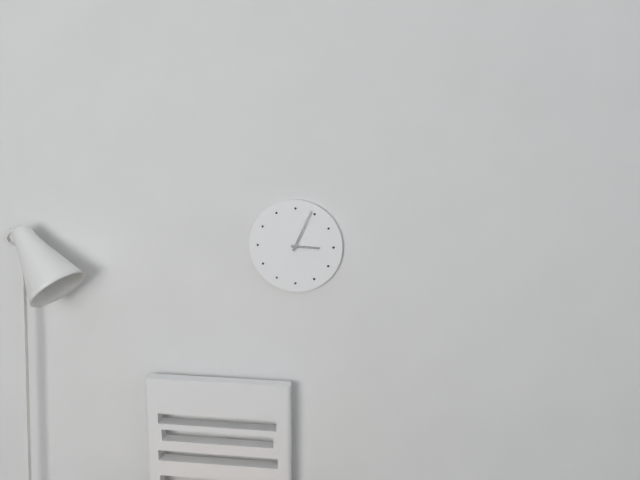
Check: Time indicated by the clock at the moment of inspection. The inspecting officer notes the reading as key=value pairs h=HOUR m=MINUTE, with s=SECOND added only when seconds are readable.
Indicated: h=3 m=4
